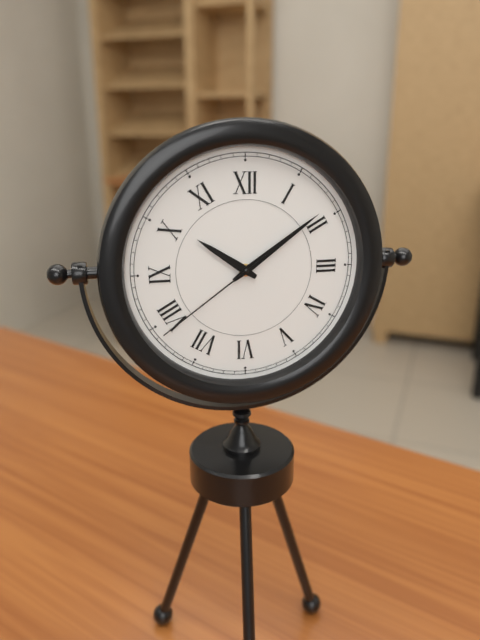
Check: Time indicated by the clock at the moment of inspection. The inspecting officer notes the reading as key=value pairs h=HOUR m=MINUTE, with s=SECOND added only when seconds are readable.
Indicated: h=10 m=9 s=39
